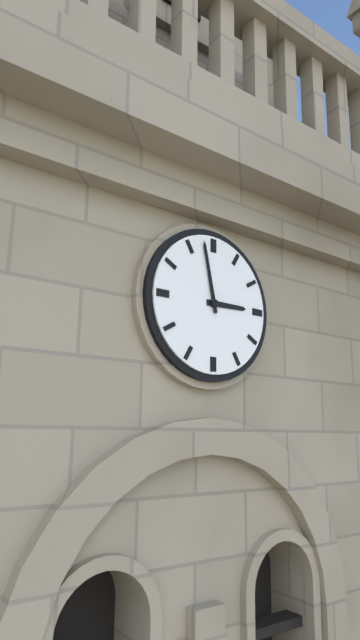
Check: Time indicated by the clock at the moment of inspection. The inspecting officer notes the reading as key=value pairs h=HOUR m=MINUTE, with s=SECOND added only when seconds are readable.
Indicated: h=2 m=58
